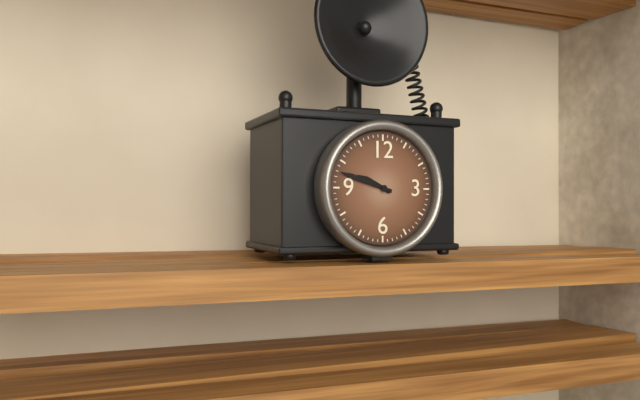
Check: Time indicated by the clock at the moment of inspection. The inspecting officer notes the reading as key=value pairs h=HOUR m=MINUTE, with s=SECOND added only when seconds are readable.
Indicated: h=9 m=48
